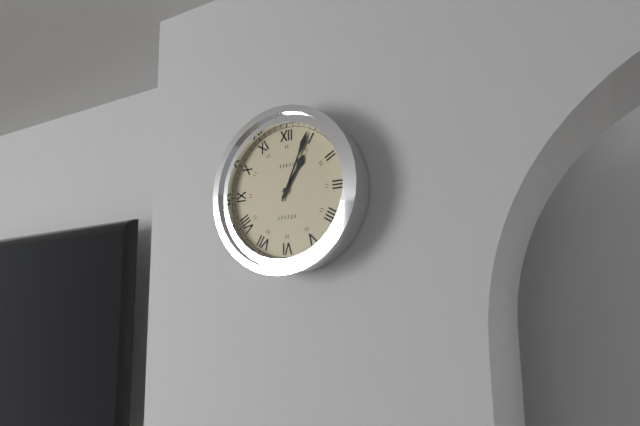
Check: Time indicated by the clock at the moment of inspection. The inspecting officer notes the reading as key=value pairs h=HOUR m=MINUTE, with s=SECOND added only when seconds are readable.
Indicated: h=1 m=4
